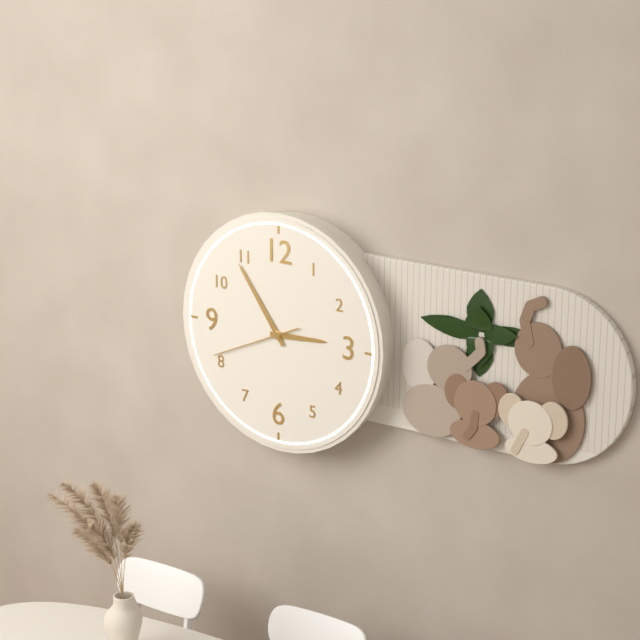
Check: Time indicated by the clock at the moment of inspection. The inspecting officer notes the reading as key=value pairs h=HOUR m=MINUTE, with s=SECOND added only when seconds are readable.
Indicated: h=2 m=54 s=41
